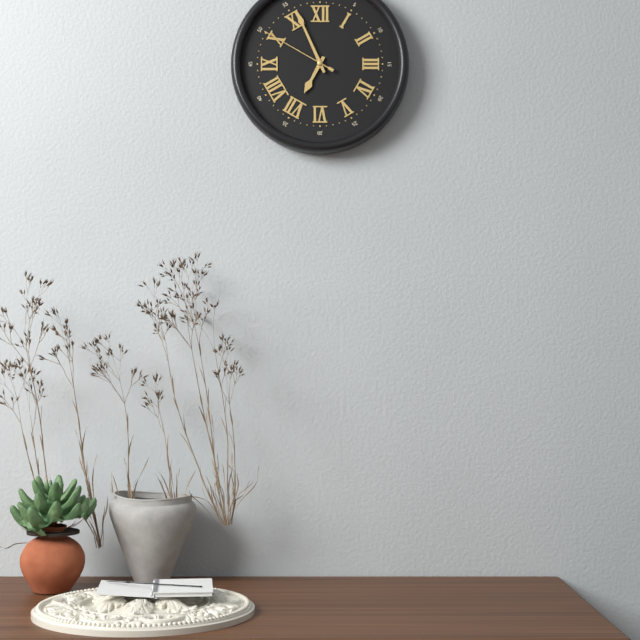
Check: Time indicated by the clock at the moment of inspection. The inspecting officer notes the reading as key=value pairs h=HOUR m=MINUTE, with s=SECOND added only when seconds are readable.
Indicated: h=6 m=56 s=50
